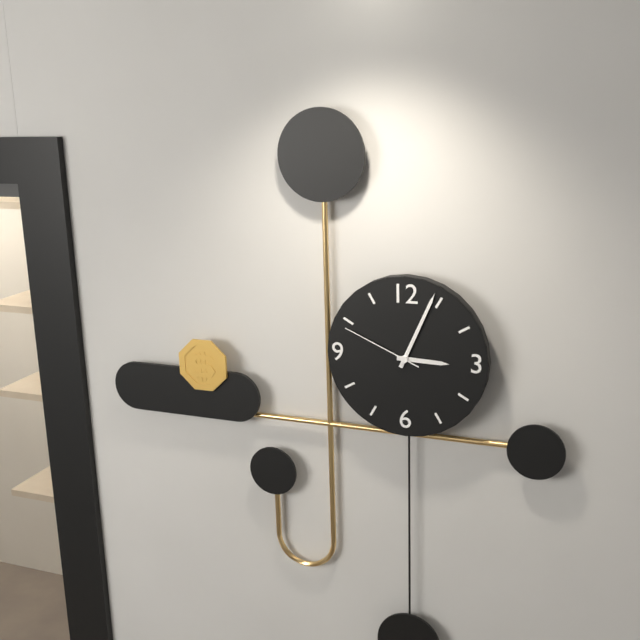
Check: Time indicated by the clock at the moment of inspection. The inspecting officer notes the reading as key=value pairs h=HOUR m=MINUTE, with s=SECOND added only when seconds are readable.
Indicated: h=3 m=4 s=49
